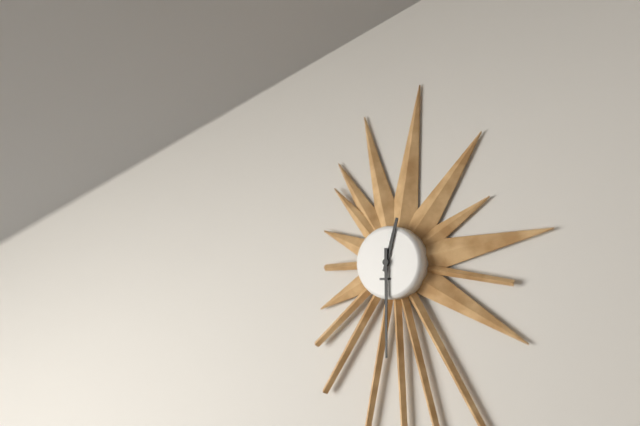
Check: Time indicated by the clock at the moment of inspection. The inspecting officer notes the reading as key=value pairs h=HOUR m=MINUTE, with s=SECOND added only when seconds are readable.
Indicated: h=12 m=30
